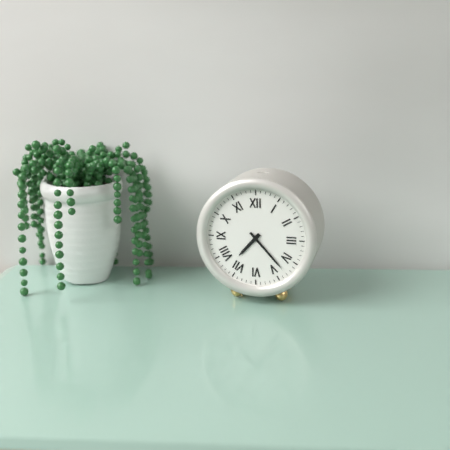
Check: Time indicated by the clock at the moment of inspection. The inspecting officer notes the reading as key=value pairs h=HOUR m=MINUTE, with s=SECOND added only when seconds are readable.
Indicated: h=7 m=23
